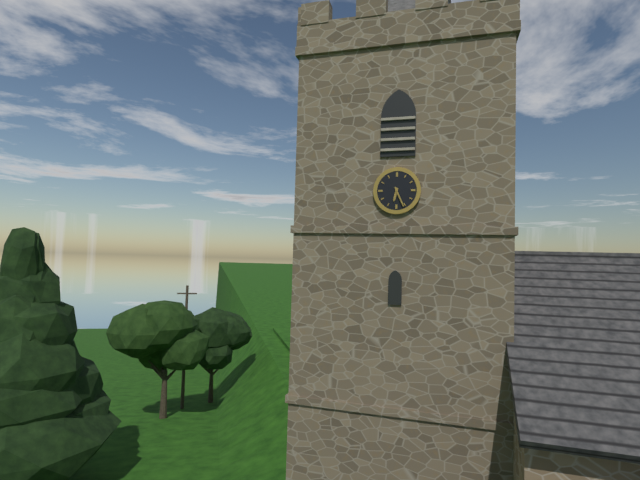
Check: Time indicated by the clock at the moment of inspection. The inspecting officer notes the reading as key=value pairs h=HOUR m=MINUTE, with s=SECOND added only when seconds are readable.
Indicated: h=6 m=26
